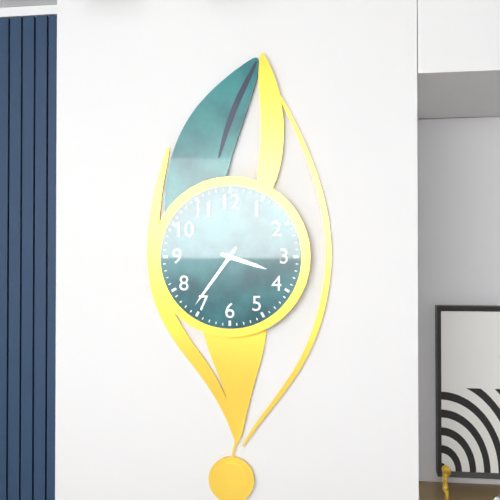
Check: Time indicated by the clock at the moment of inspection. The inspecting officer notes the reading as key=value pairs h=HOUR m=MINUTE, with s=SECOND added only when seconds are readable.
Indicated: h=3 m=36
